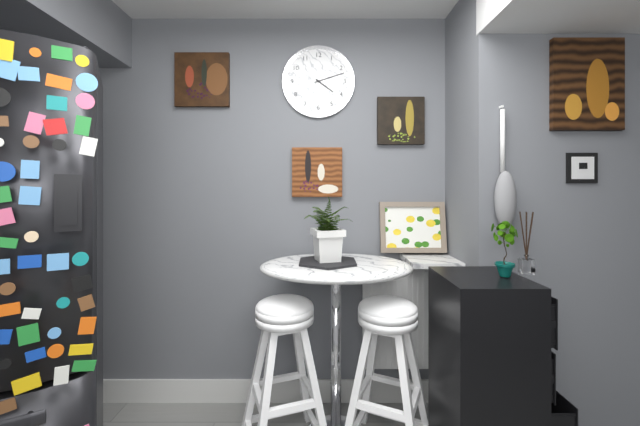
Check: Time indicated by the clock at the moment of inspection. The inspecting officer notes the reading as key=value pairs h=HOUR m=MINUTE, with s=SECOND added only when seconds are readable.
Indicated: h=4 m=12
